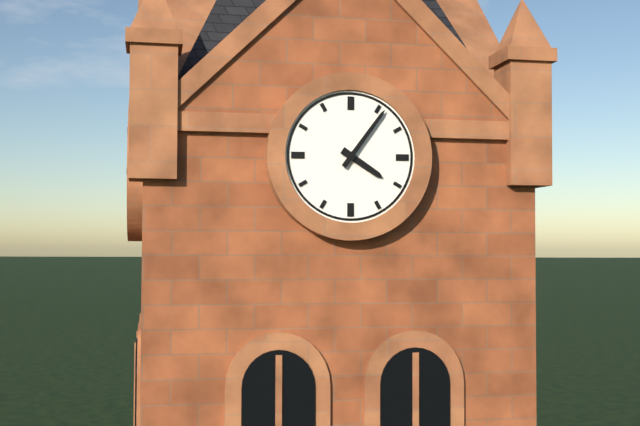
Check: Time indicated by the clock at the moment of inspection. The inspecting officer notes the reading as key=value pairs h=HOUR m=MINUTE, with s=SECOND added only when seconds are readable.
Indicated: h=4 m=6
